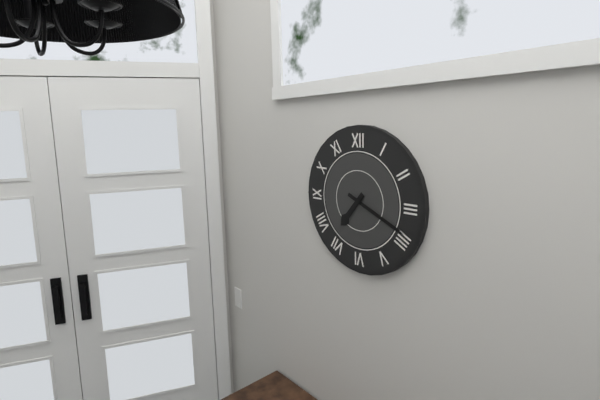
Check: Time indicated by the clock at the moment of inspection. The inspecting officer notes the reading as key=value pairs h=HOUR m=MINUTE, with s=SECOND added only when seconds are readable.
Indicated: h=7 m=19
